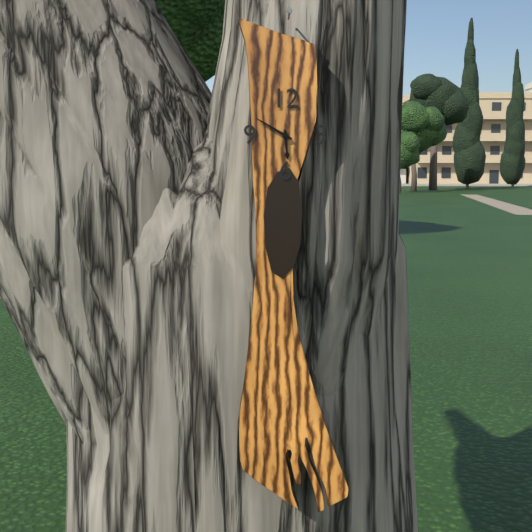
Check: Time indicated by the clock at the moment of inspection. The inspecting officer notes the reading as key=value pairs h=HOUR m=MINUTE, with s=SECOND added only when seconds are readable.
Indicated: h=5 m=50
